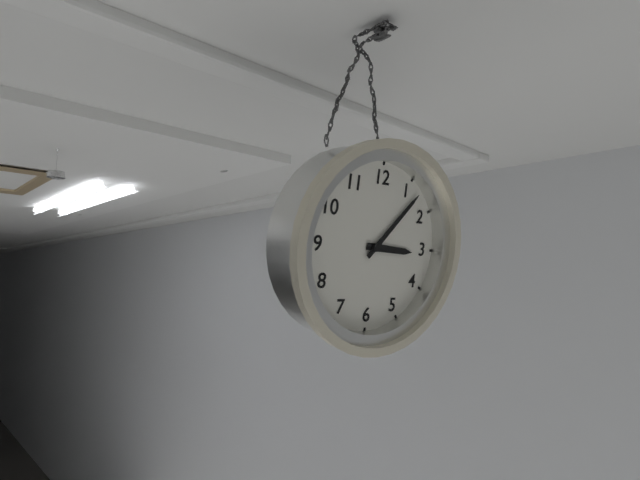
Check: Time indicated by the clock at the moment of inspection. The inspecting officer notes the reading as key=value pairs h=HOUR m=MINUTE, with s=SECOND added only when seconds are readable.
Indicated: h=3 m=7
